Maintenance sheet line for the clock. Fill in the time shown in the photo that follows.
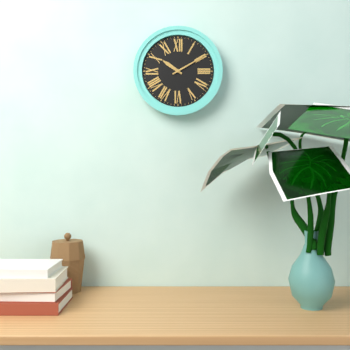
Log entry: 10:10
